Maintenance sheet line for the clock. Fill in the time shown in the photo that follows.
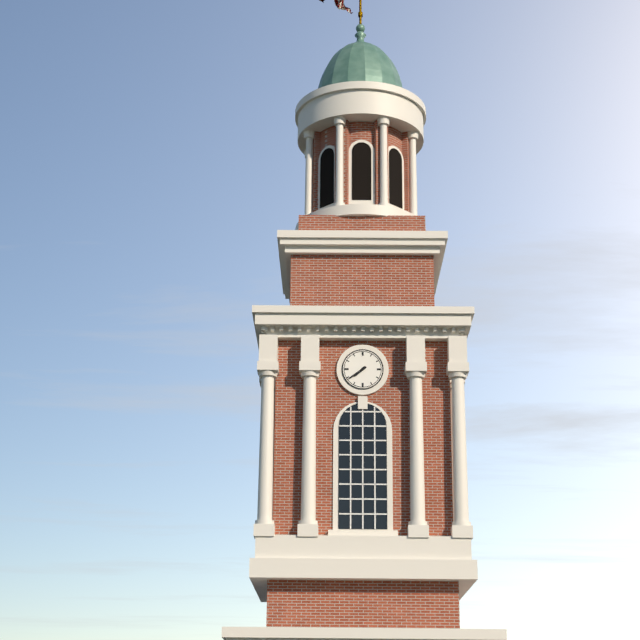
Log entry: 7:39
